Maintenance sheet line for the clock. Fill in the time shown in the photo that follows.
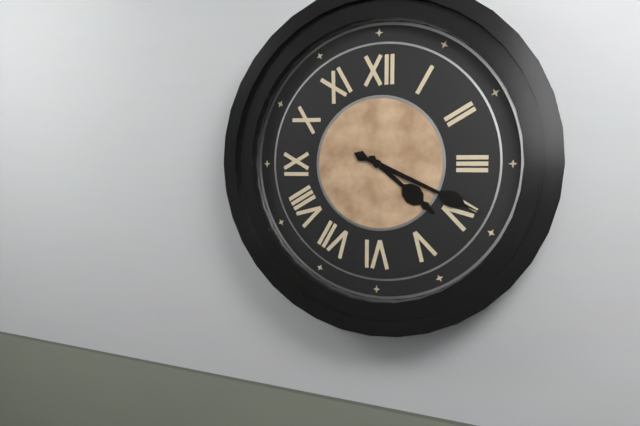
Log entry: 4:19
